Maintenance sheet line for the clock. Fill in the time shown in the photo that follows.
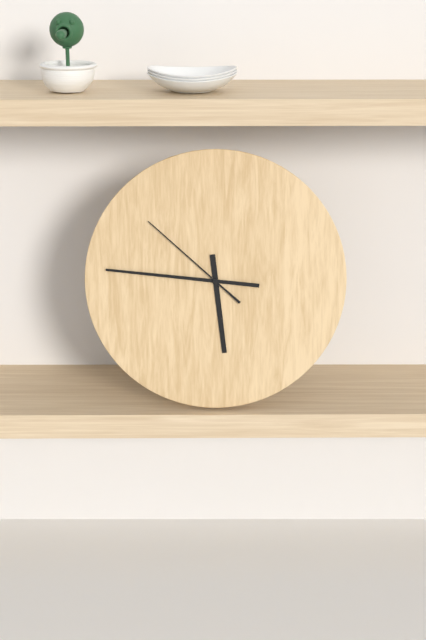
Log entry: 5:46:52
